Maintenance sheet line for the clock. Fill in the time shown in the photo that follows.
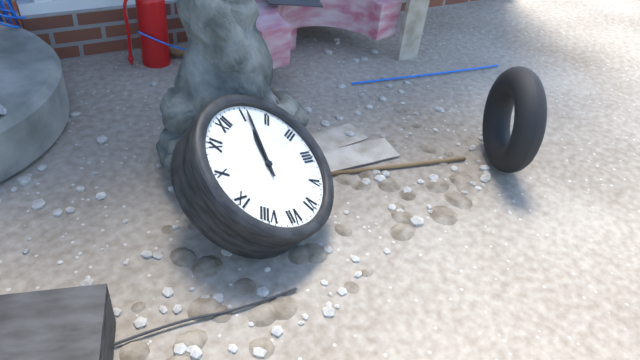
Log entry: 1:06
